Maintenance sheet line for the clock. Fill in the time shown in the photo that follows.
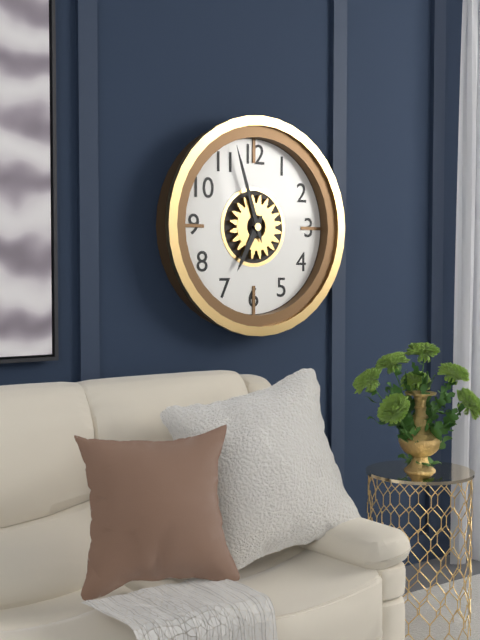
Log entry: 6:57
